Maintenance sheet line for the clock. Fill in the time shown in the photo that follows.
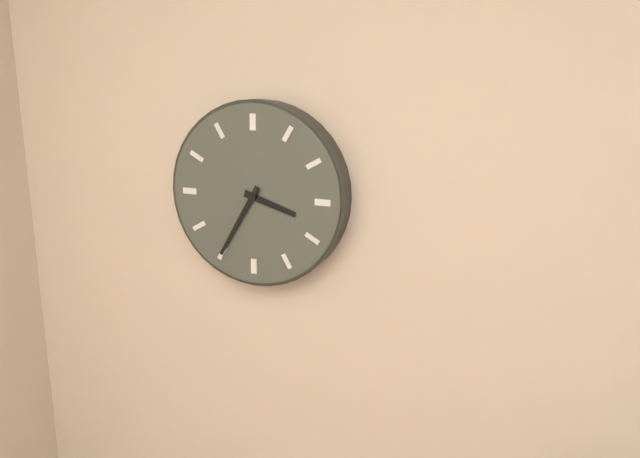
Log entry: 3:35
